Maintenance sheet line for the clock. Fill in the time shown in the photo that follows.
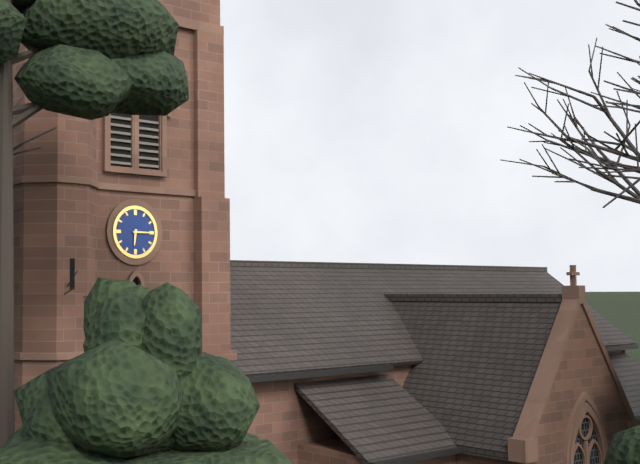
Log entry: 6:15
